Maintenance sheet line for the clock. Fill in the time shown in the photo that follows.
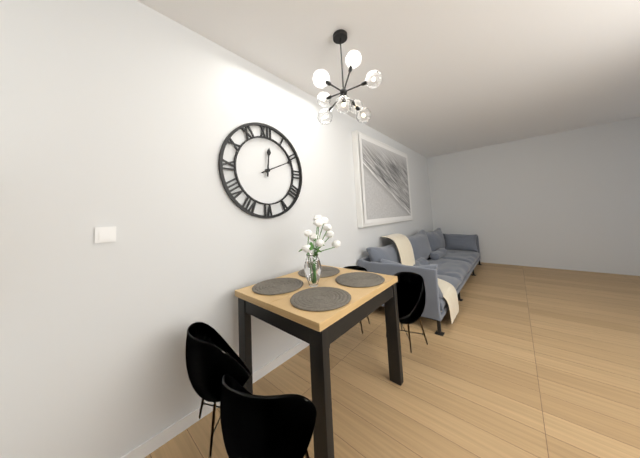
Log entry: 12:11
